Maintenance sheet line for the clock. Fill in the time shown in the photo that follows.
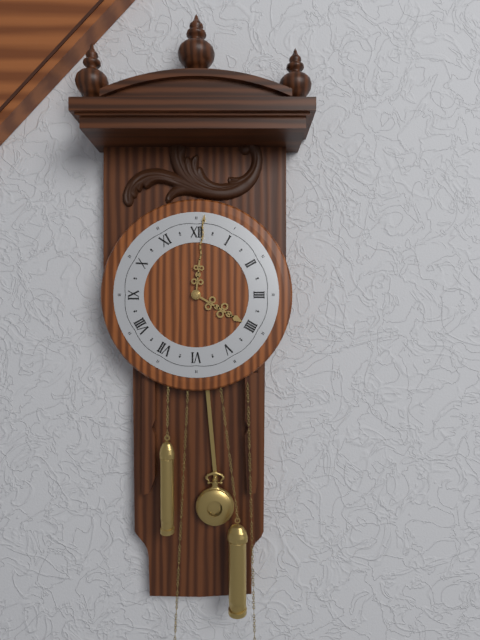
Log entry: 4:01
